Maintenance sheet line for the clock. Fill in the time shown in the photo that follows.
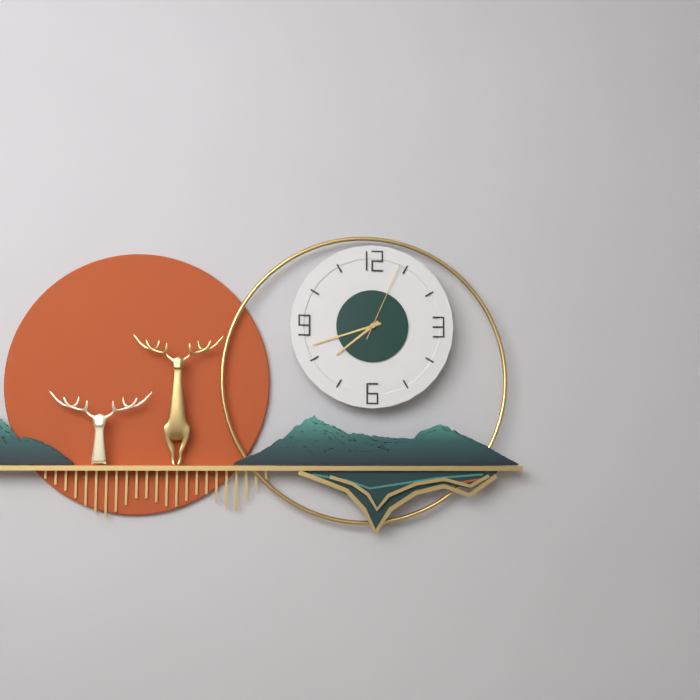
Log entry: 7:42:04
